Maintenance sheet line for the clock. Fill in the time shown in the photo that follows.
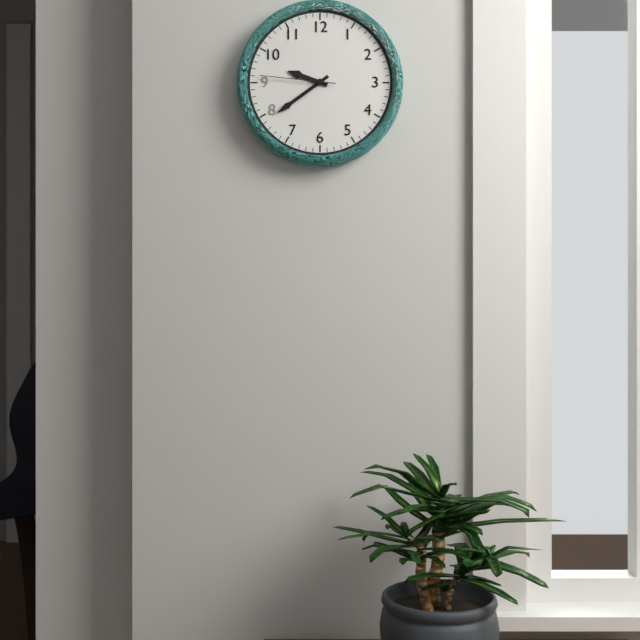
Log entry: 9:39:46
